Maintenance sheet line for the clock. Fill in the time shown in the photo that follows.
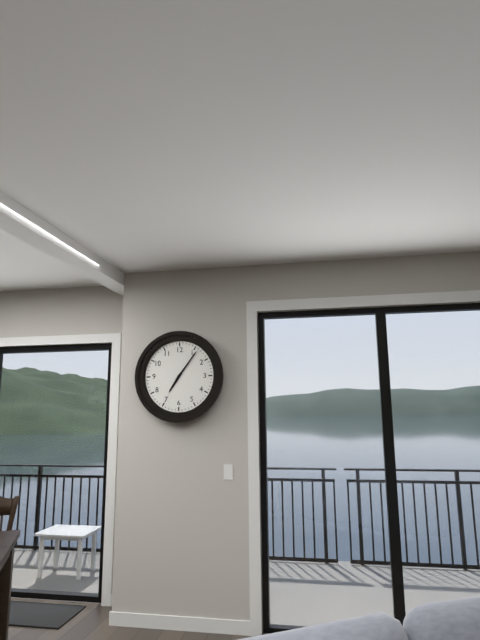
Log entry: 7:06
